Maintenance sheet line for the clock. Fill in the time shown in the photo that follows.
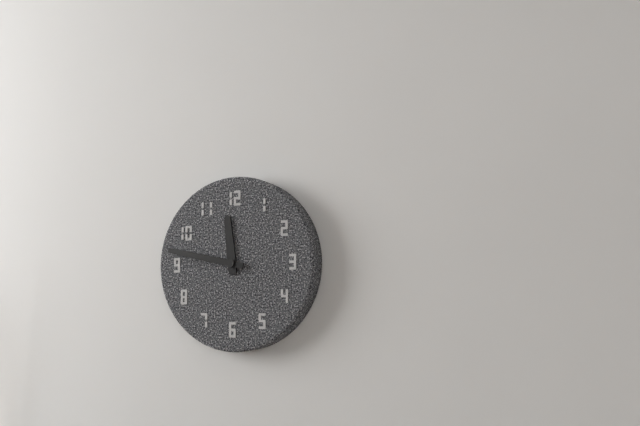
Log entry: 11:47
